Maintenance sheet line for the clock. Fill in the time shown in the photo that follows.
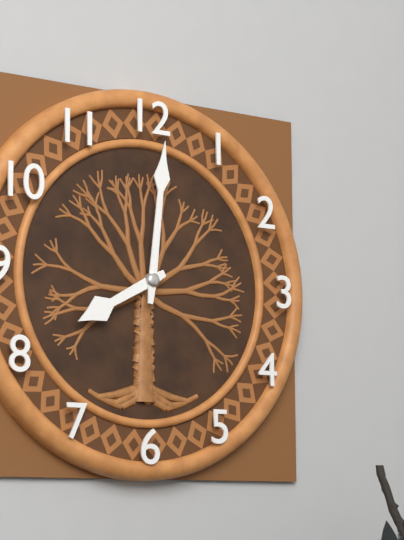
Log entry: 8:01
